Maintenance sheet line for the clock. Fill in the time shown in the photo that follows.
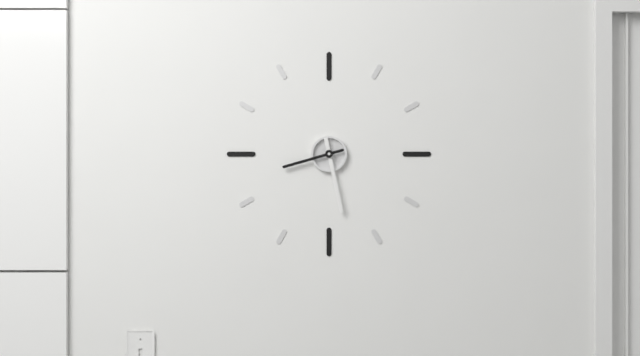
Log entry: 8:28
